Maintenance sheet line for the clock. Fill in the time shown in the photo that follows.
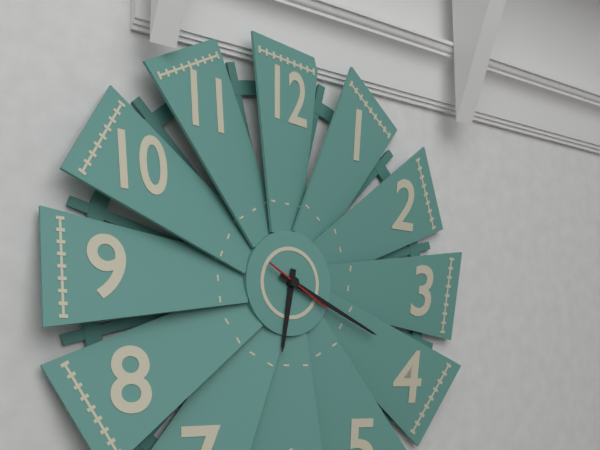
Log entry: 6:19:20
